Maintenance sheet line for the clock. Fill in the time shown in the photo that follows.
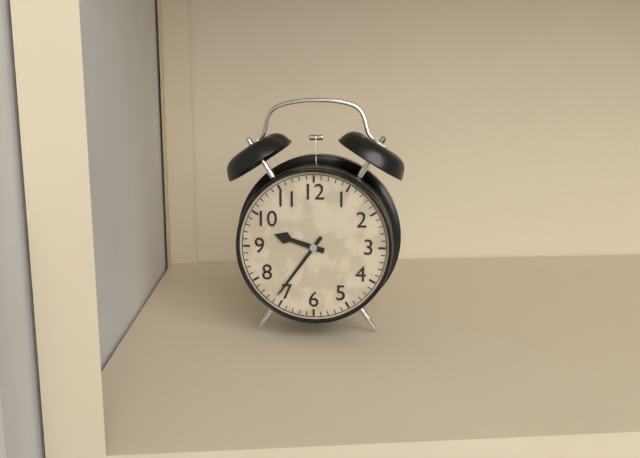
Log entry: 9:36
